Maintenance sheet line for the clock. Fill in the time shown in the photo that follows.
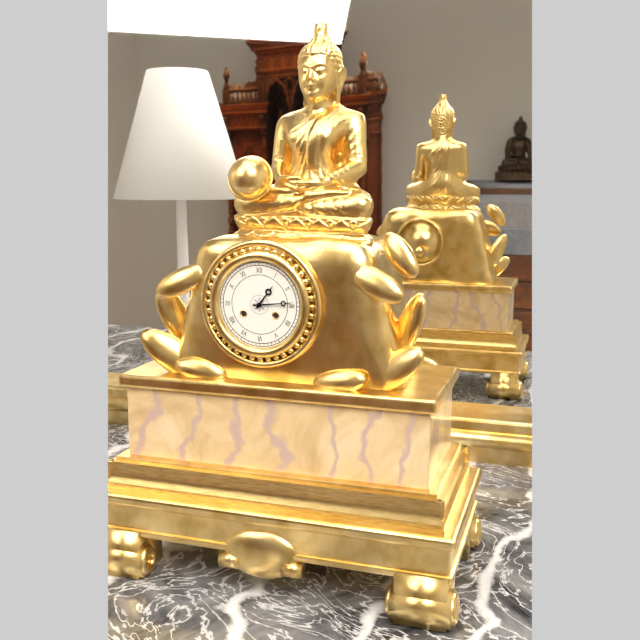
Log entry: 1:14
